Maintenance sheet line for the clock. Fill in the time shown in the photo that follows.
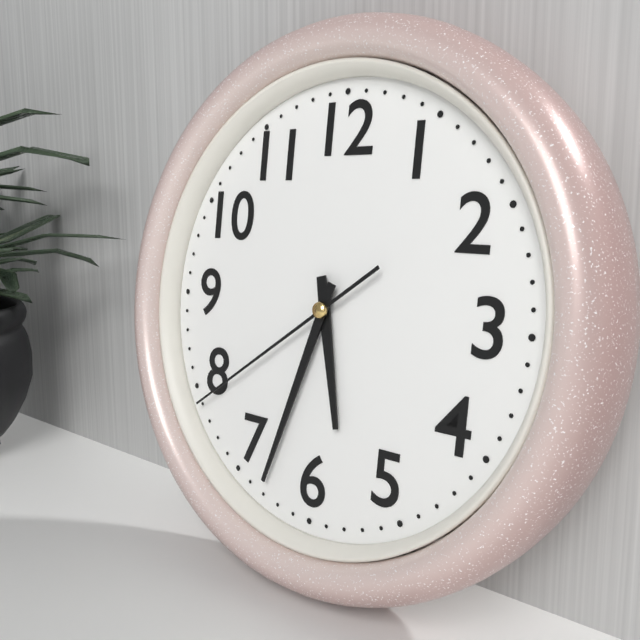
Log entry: 5:33:39
